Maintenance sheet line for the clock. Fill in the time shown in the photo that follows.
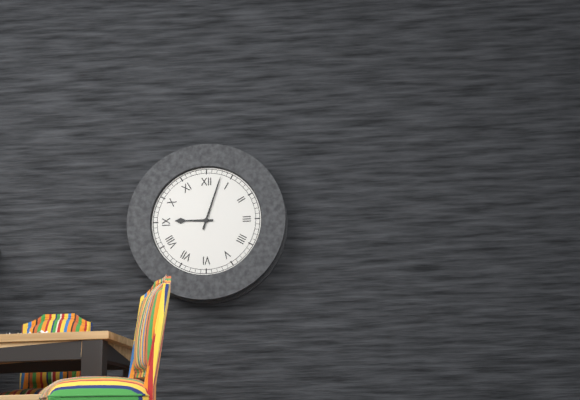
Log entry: 9:03
